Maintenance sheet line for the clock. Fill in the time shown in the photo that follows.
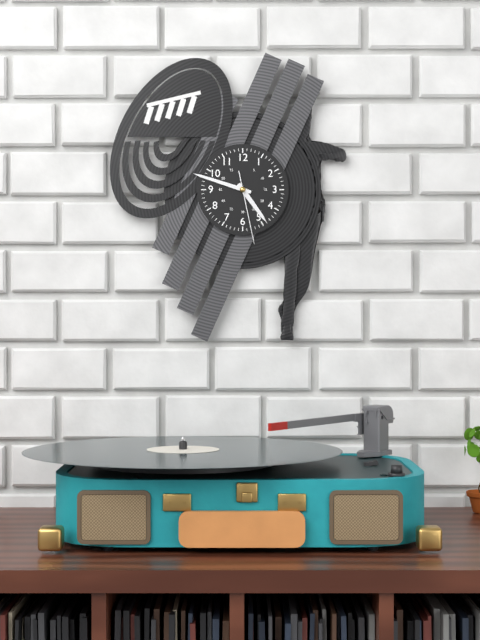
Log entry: 4:48:28
